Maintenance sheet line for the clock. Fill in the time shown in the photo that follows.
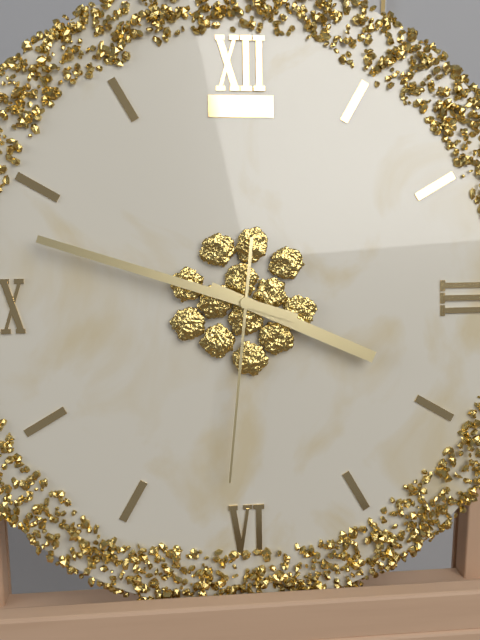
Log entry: 3:48:31
